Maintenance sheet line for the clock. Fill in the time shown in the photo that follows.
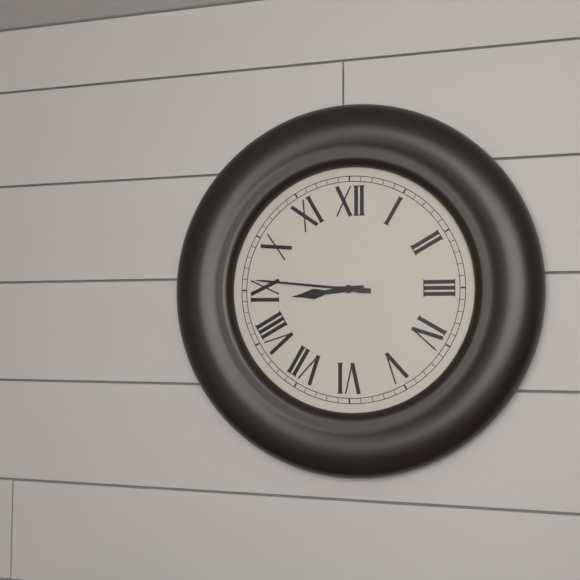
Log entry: 8:46
